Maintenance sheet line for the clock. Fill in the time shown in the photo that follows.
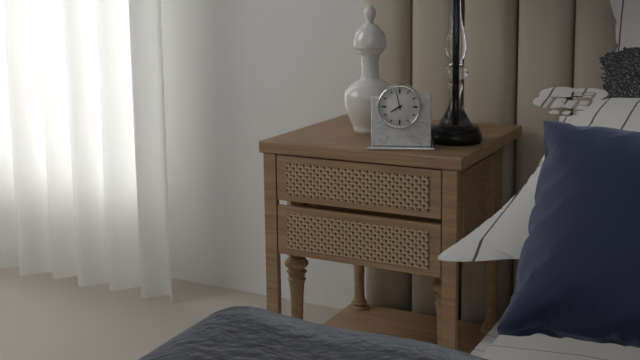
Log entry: 7:58
